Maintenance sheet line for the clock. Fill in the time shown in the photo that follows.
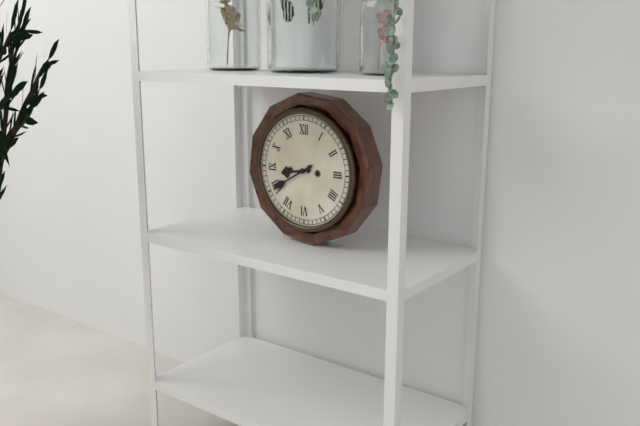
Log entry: 8:40
